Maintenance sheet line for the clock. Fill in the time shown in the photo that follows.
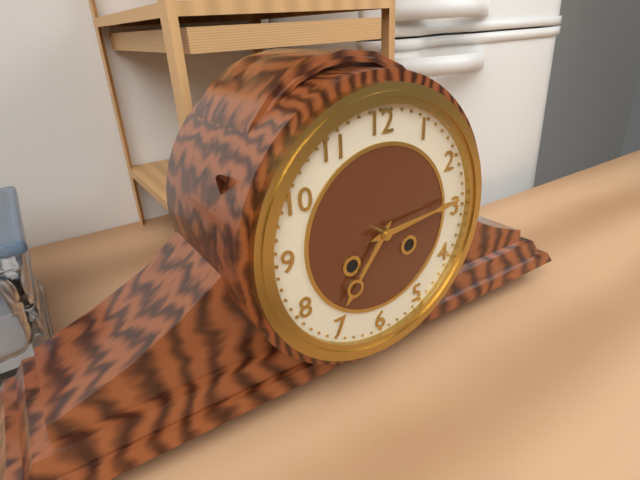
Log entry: 7:14
